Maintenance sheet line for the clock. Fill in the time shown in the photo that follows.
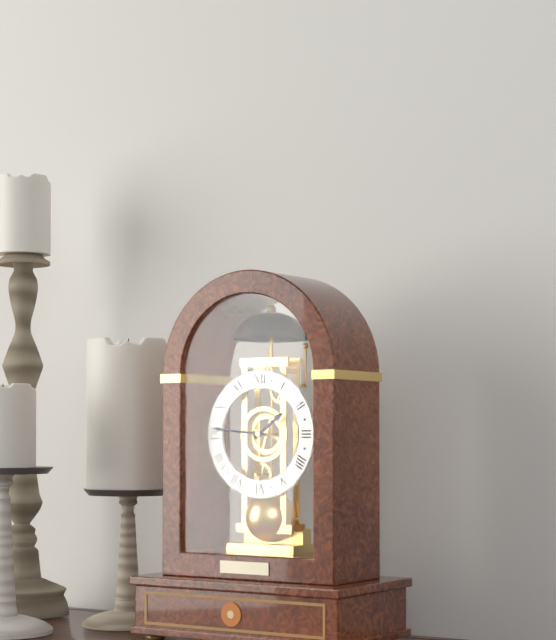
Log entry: 1:46
